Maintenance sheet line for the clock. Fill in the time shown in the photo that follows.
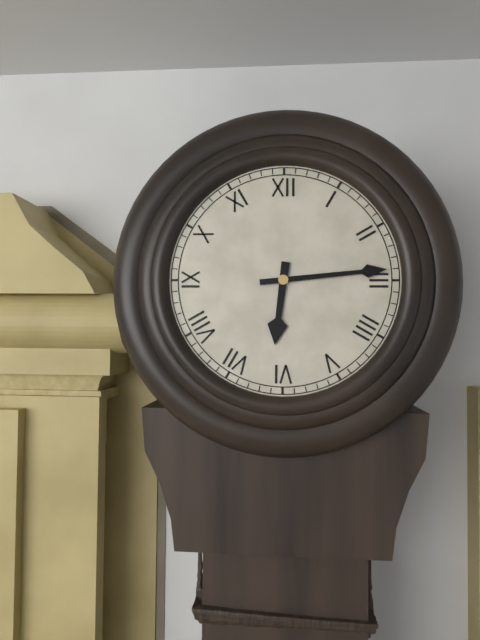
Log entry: 6:14
